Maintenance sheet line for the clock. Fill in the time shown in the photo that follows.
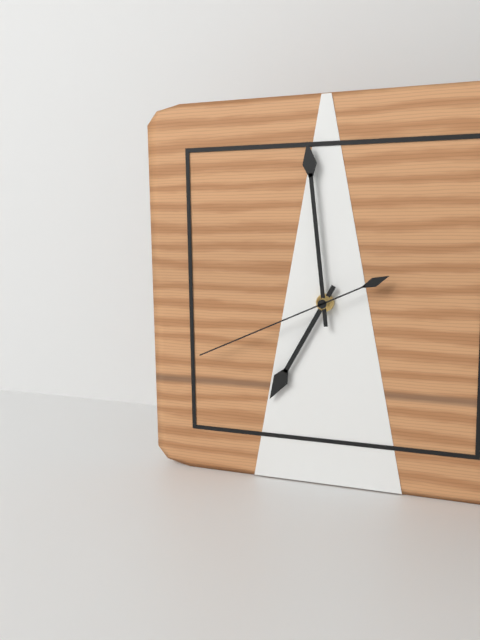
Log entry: 6:59:41
